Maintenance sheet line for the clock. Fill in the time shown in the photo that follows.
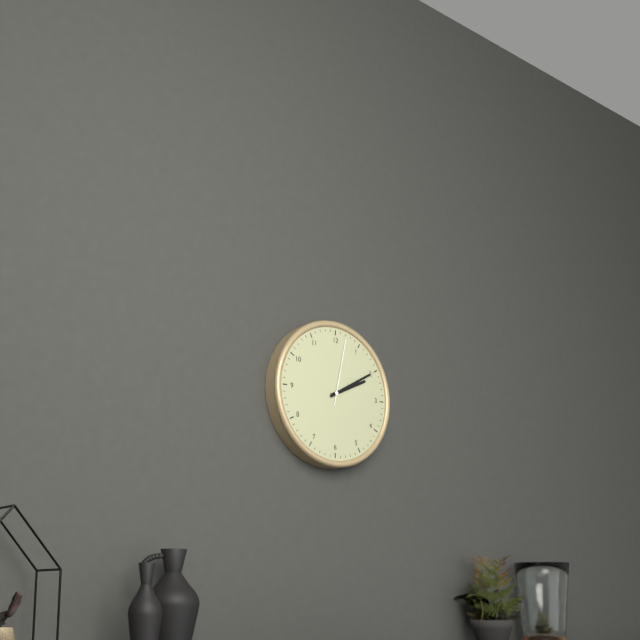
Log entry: 2:10:02
